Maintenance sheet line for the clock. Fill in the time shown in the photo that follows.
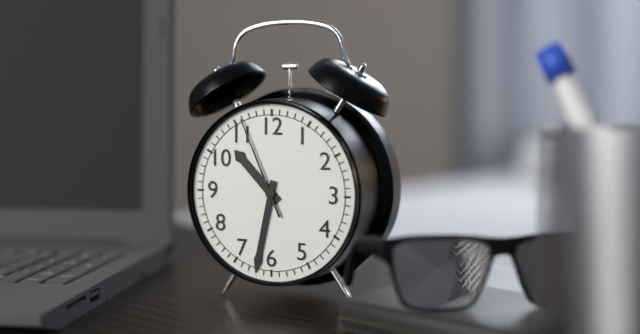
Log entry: 10:32:56
